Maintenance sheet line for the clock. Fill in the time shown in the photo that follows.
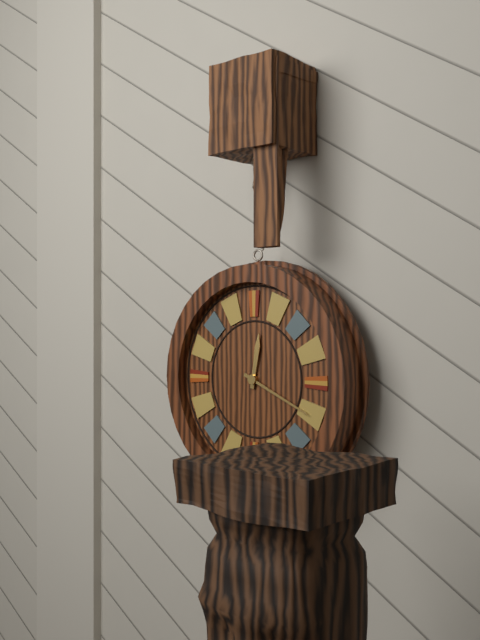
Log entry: 12:19
